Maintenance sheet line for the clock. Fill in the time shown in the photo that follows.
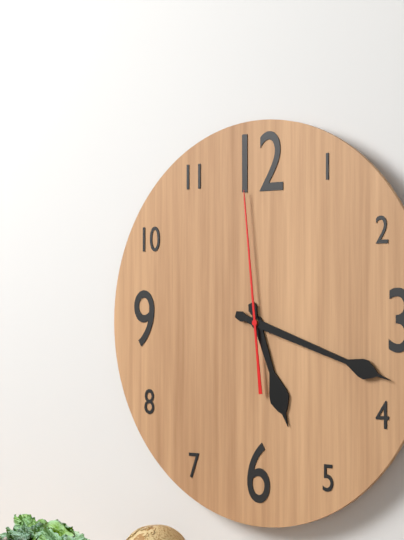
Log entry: 5:18:59
